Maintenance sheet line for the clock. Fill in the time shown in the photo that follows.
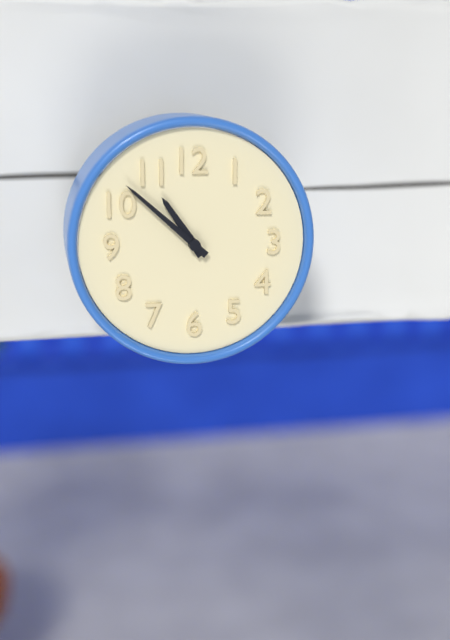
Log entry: 10:52
